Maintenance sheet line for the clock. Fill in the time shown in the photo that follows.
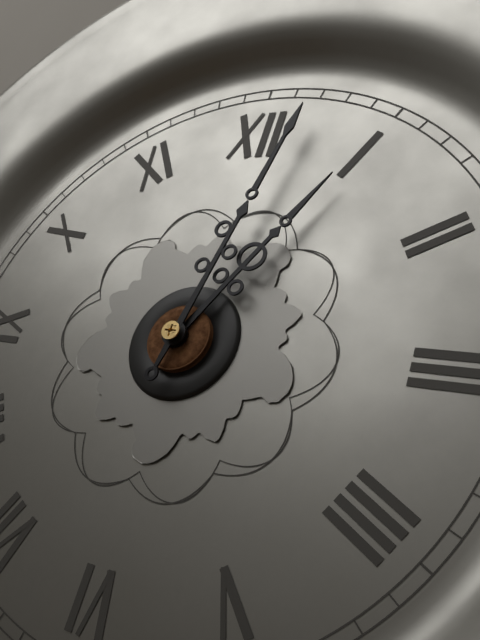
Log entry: 1:02
